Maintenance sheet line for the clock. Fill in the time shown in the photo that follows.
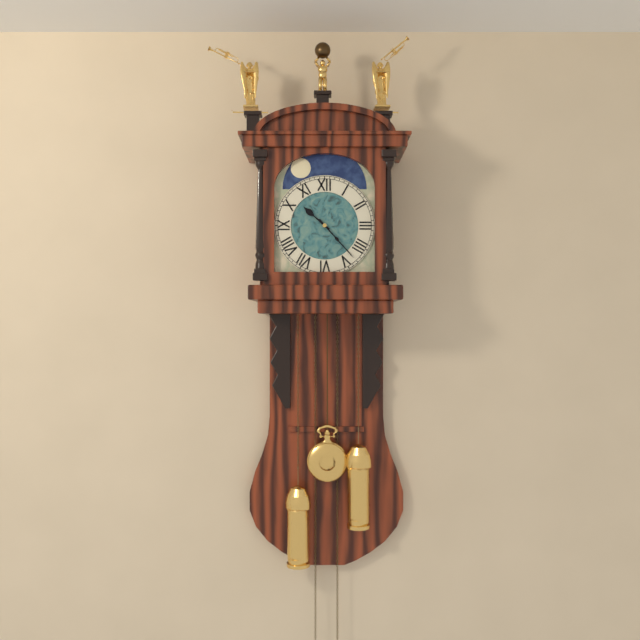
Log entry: 10:23
